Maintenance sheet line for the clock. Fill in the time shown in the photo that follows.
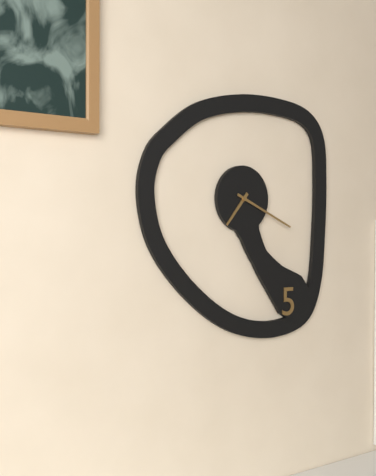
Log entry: 7:19
